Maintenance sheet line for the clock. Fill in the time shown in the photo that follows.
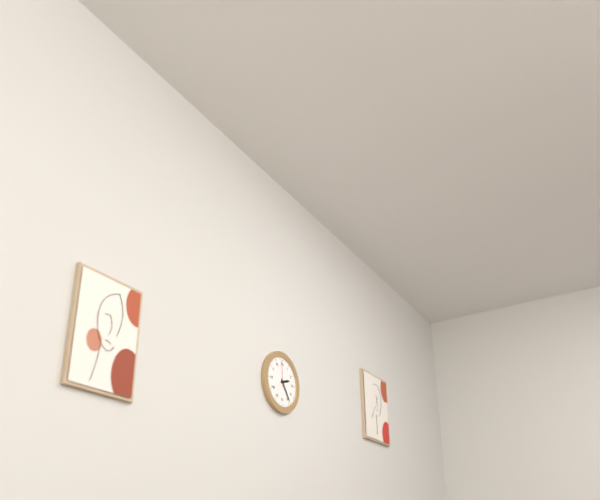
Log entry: 2:24
